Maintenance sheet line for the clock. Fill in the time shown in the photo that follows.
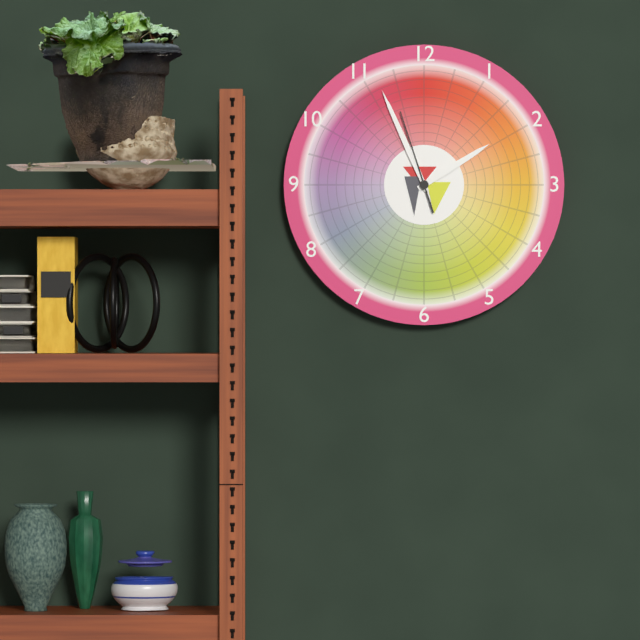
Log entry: 1:56:57
